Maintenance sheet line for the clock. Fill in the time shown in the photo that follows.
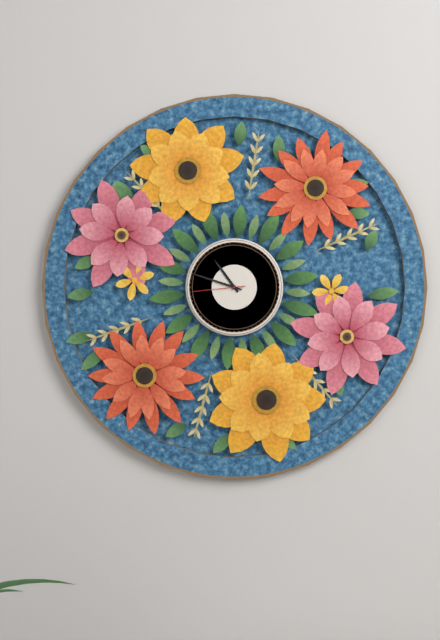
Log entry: 10:48:44
